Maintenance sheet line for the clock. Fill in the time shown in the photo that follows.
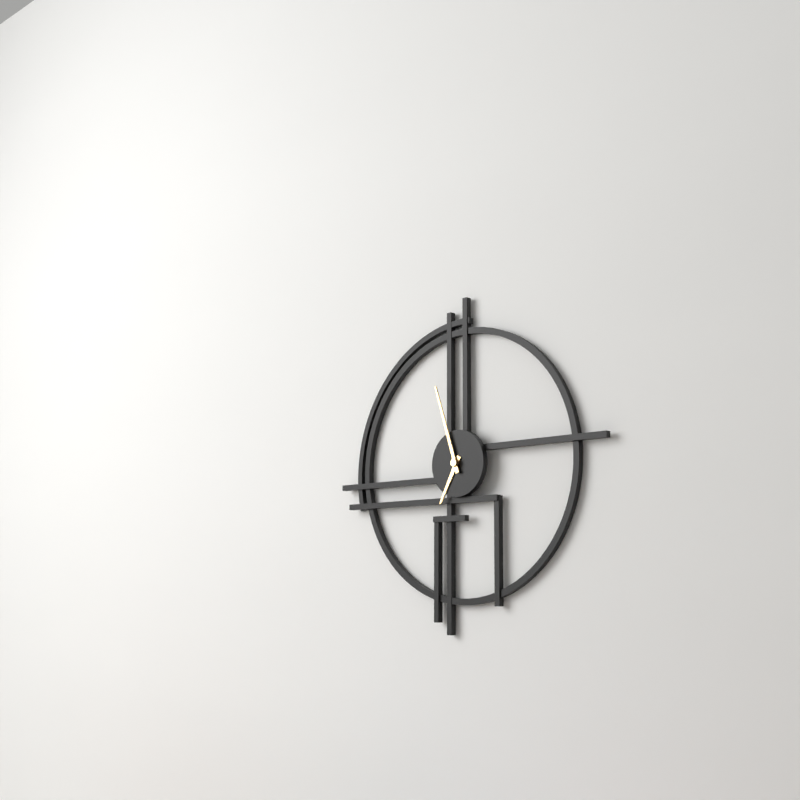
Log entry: 6:57
